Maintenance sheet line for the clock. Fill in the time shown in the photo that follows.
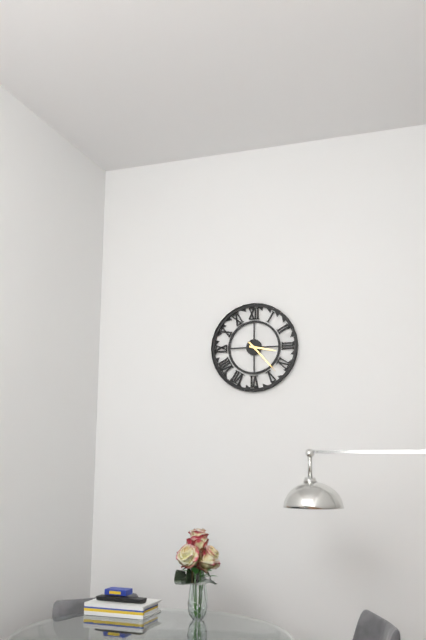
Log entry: 3:23
